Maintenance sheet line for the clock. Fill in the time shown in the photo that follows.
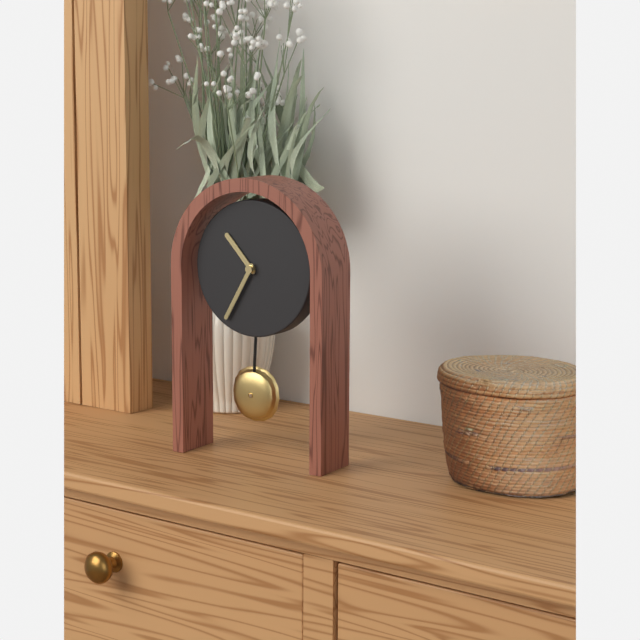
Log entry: 10:35
